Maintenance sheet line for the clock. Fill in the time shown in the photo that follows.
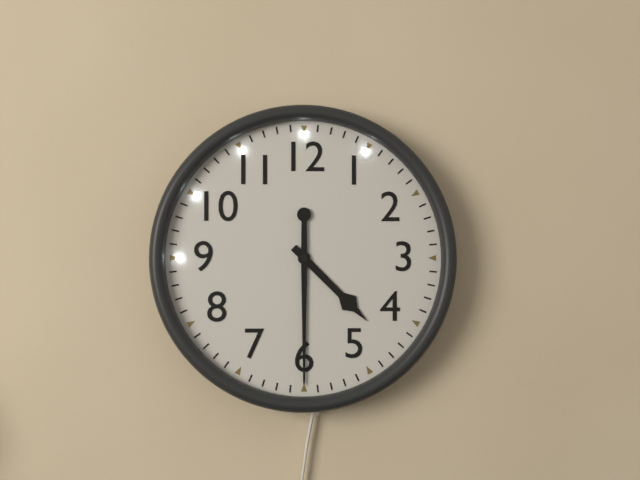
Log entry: 4:30
